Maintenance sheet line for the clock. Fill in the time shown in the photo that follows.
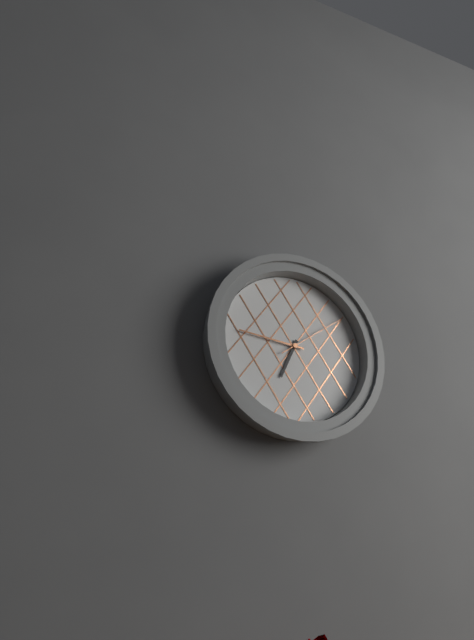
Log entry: 6:46:09
